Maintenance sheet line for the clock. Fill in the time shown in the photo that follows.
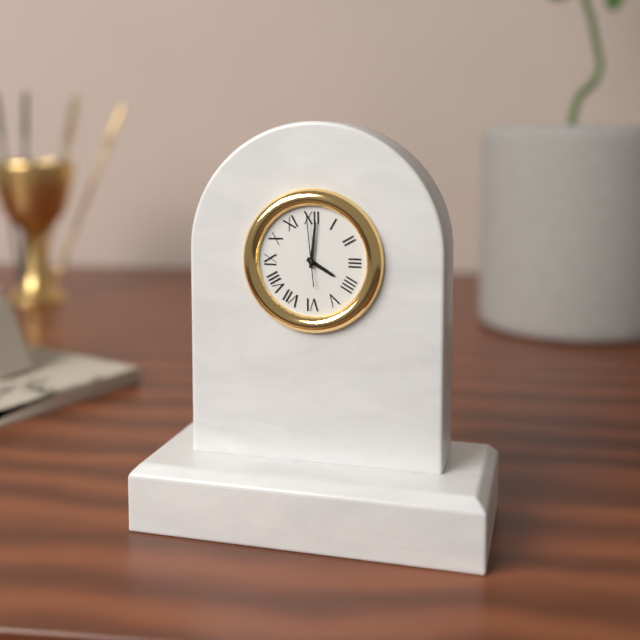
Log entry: 4:01:59
